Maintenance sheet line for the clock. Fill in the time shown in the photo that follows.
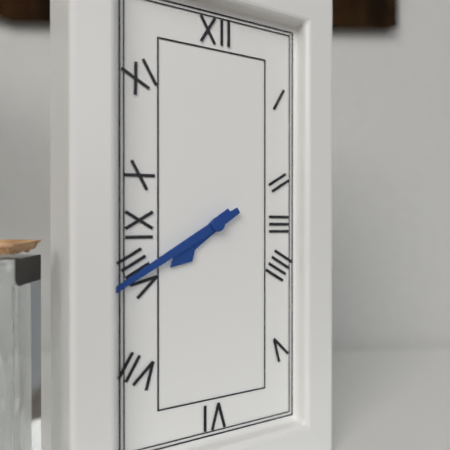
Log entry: 7:40
